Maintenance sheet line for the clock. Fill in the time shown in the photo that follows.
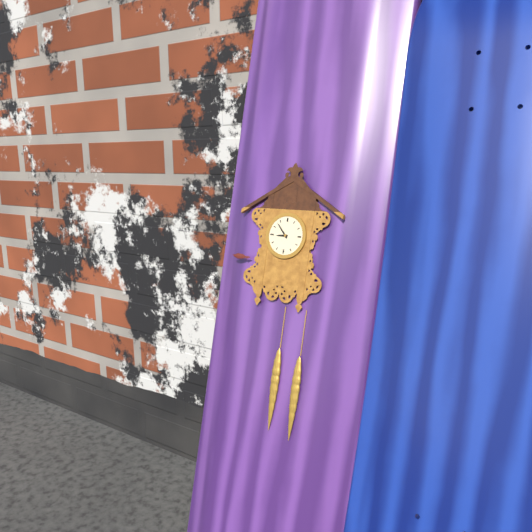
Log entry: 8:53
